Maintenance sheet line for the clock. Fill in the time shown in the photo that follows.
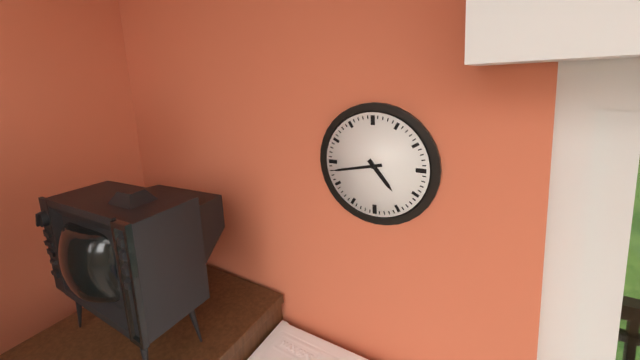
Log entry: 4:43
